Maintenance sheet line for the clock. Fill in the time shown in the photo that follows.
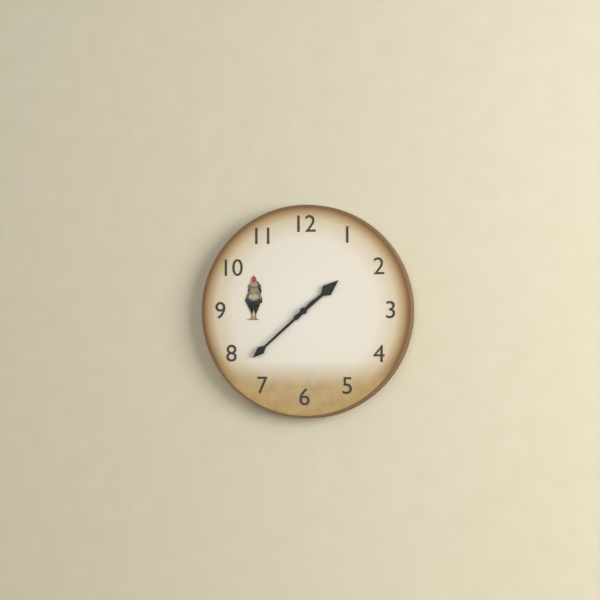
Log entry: 1:38
